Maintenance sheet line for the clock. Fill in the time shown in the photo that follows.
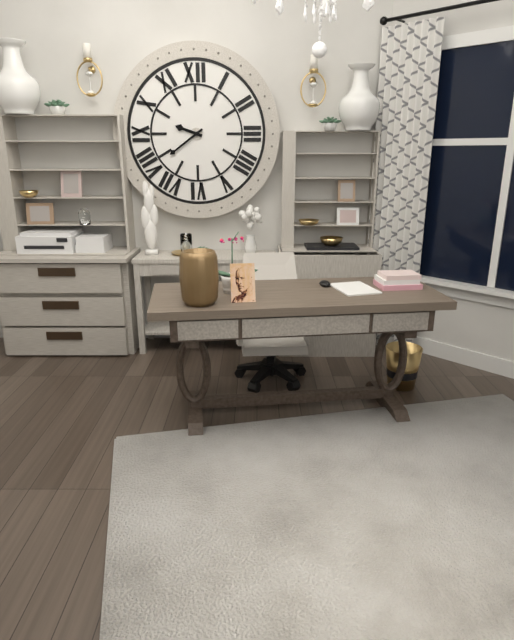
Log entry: 9:39
